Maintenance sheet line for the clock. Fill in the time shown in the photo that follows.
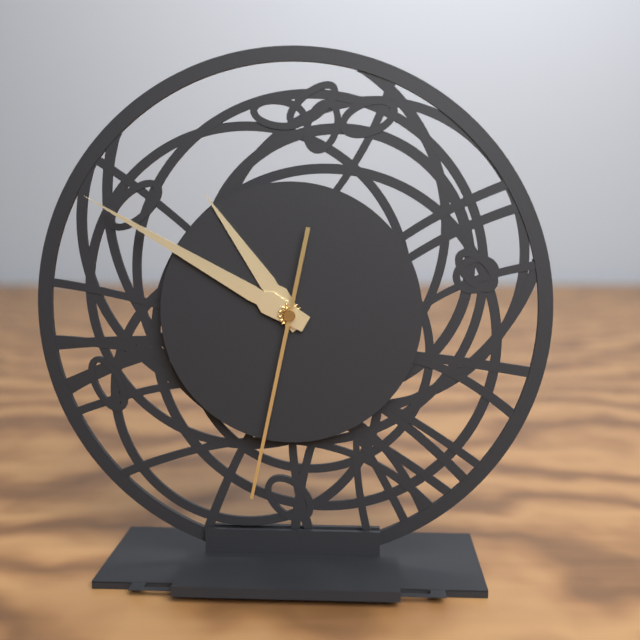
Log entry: 10:50:32
